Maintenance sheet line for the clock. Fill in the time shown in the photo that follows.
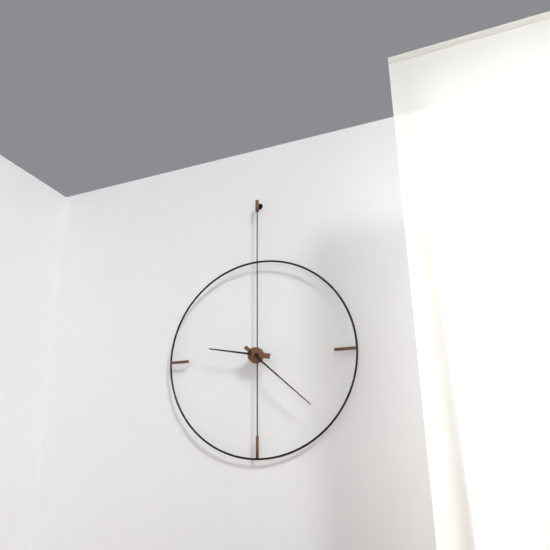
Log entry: 9:22
